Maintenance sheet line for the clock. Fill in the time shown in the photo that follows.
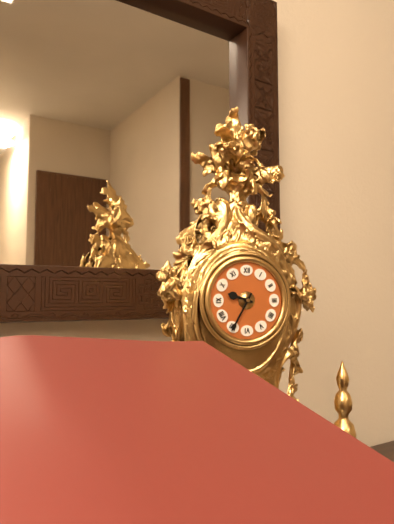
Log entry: 9:35
